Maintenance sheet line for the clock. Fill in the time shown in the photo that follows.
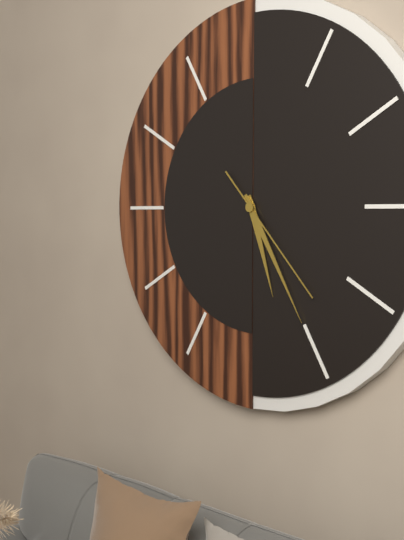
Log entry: 5:25:23
